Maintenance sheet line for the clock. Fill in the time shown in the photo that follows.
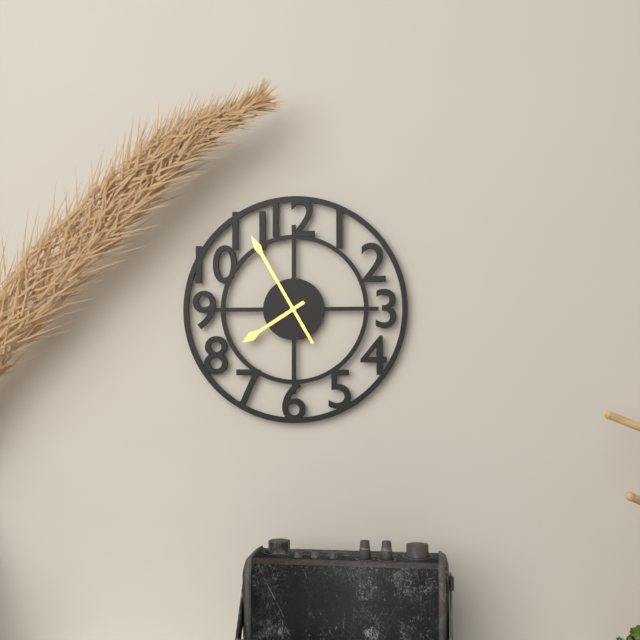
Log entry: 7:55
